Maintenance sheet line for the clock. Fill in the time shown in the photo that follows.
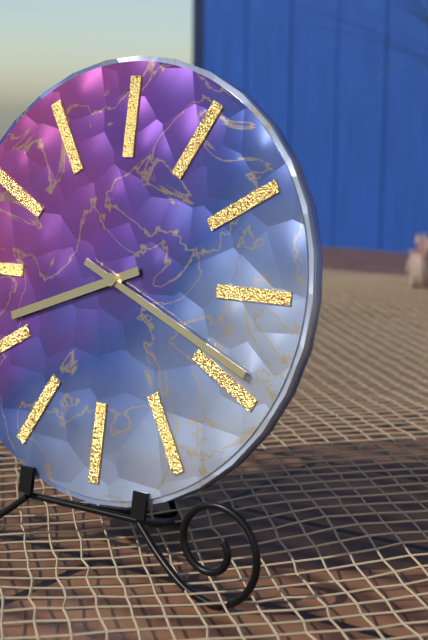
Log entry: 8:19
